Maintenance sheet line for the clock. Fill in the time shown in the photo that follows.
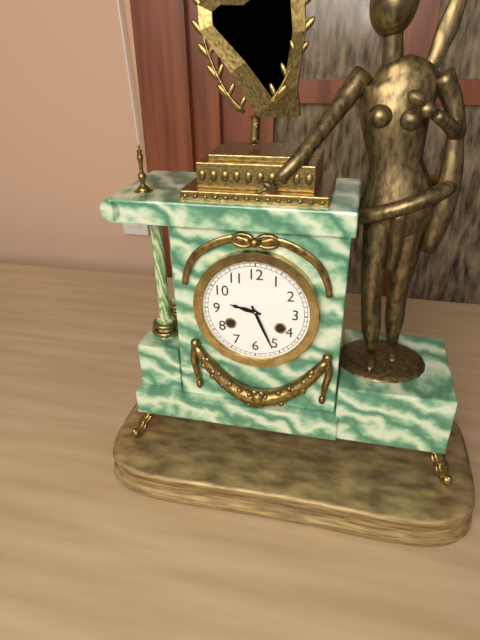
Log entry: 9:26
